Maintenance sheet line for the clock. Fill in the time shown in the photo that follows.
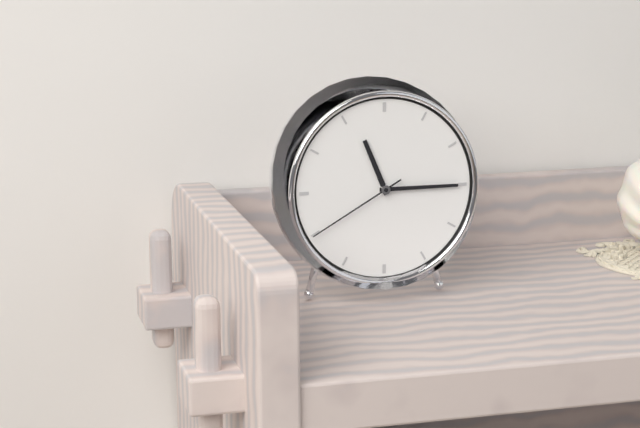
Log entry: 11:15:40
